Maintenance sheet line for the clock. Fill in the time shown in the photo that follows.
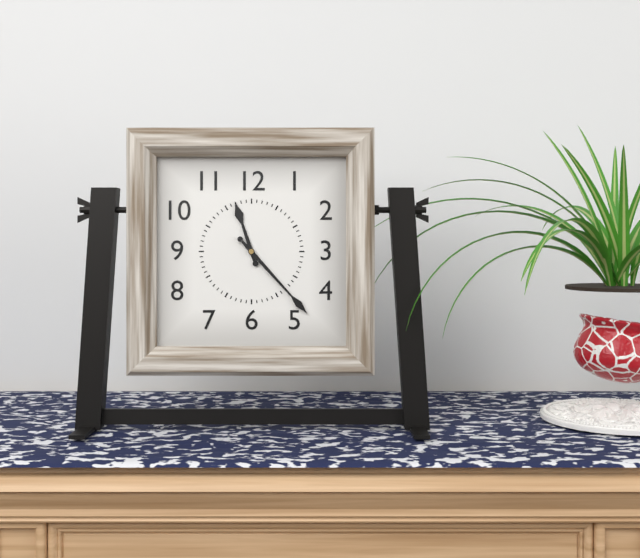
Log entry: 11:23
